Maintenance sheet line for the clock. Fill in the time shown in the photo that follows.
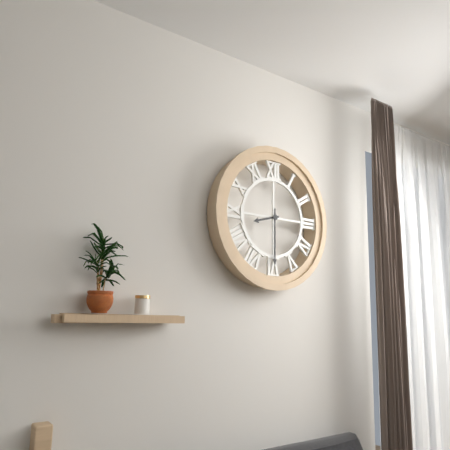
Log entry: 8:30
